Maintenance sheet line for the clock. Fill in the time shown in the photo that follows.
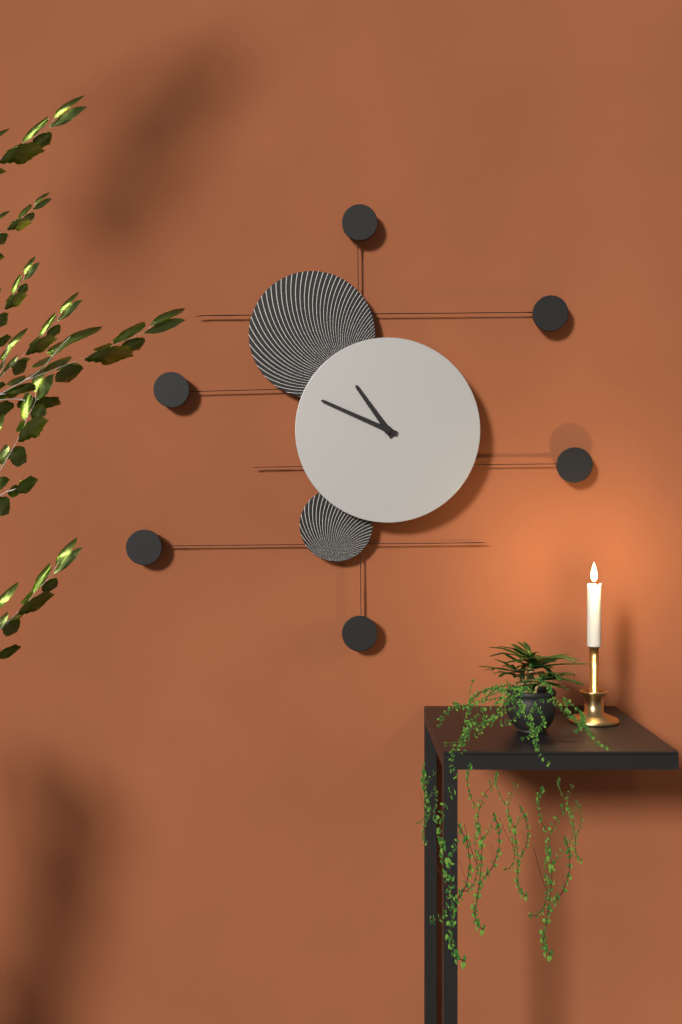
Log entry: 10:49
